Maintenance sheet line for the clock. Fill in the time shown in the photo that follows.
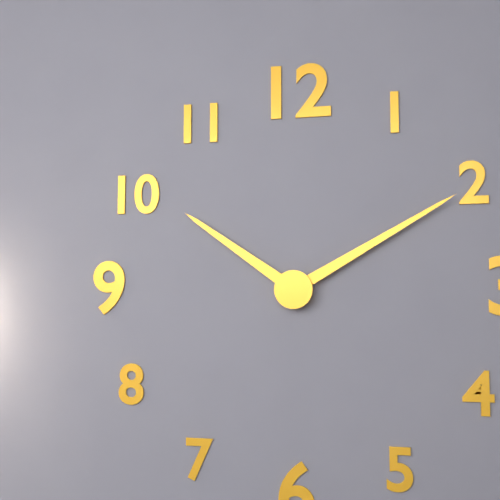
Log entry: 10:10
